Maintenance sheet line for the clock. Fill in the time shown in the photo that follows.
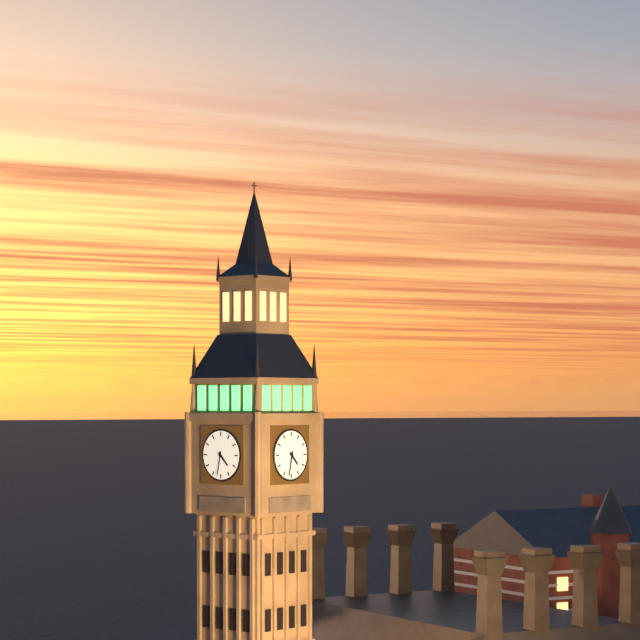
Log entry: 4:32
